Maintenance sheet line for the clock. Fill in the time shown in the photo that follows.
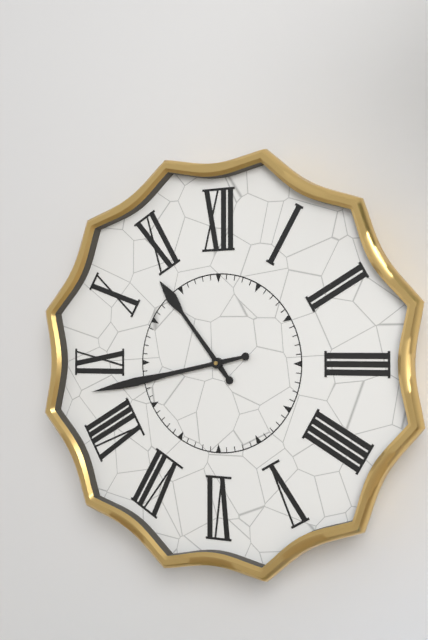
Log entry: 10:43
